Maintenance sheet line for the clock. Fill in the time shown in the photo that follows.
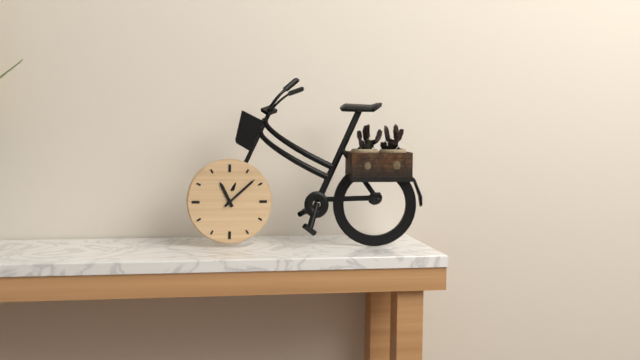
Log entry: 11:08
